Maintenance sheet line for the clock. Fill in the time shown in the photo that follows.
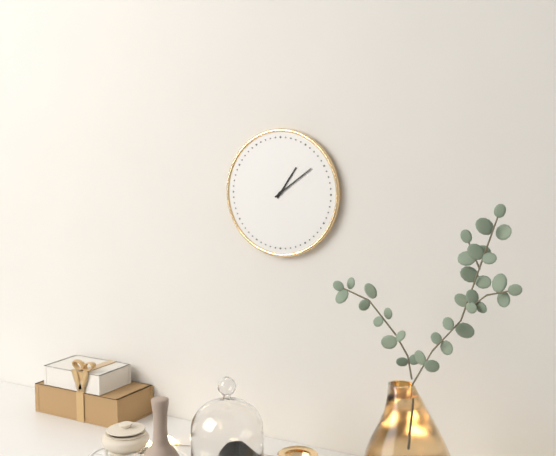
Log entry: 1:09
